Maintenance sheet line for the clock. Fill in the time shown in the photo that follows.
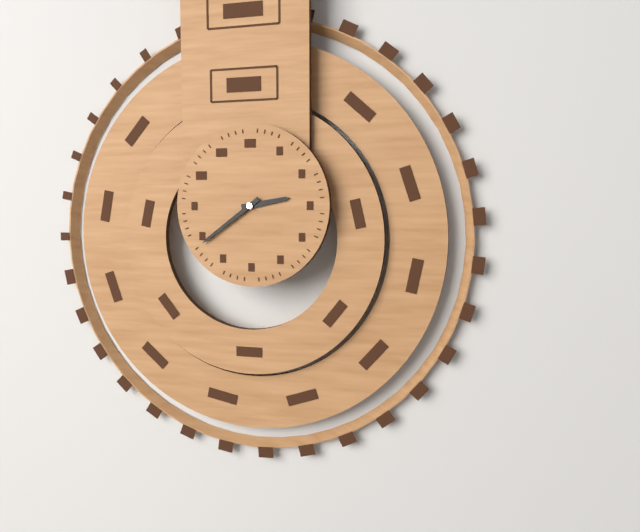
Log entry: 2:39
